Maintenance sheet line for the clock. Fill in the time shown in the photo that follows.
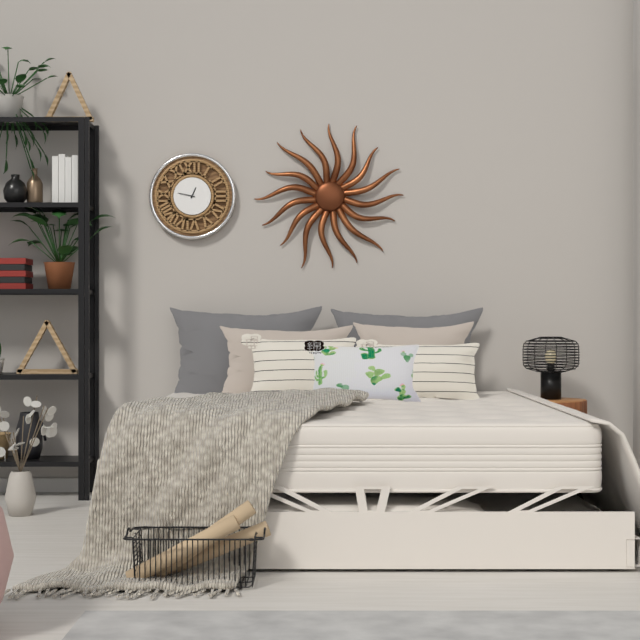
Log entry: 12:47
